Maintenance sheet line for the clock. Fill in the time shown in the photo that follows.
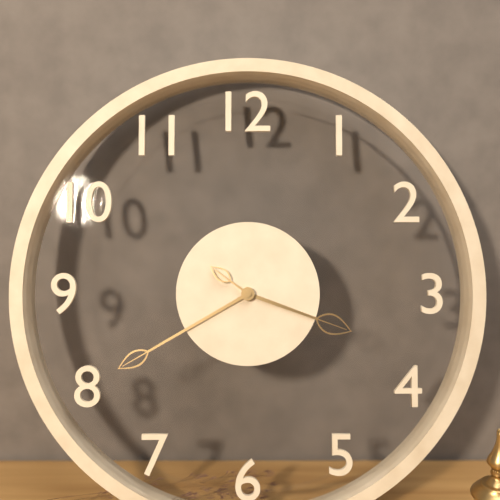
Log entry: 3:40:51
